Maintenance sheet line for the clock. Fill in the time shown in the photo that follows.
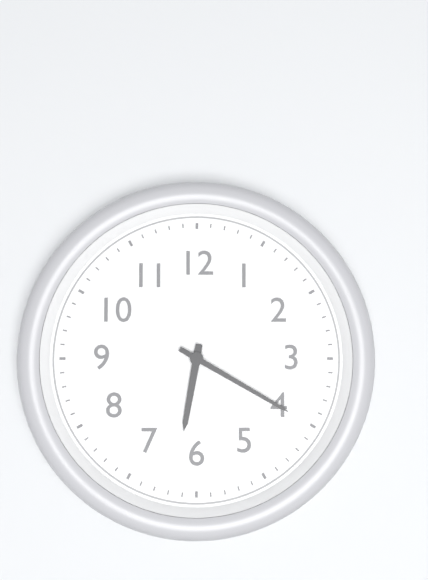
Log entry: 6:20
